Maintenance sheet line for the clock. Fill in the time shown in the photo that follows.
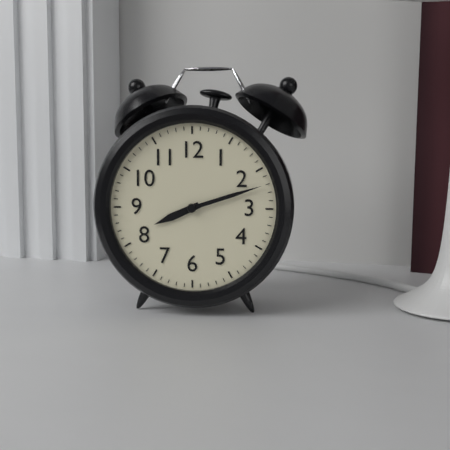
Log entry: 8:12
